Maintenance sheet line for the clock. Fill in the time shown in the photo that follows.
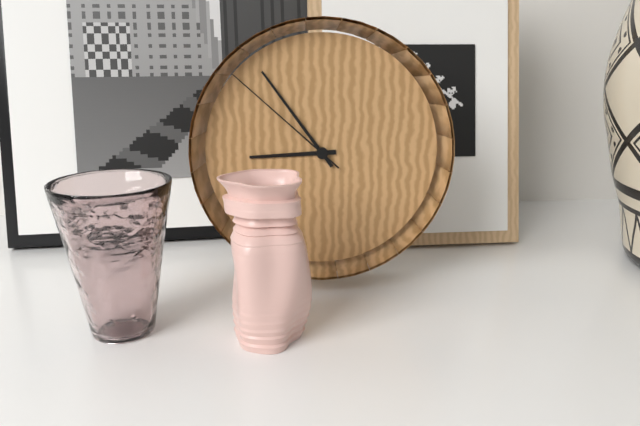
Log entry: 8:54:52
